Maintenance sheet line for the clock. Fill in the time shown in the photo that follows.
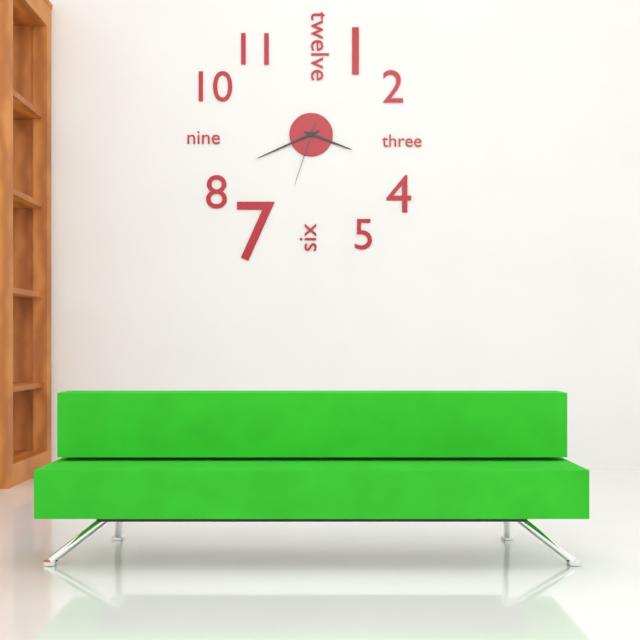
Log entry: 3:41:33
